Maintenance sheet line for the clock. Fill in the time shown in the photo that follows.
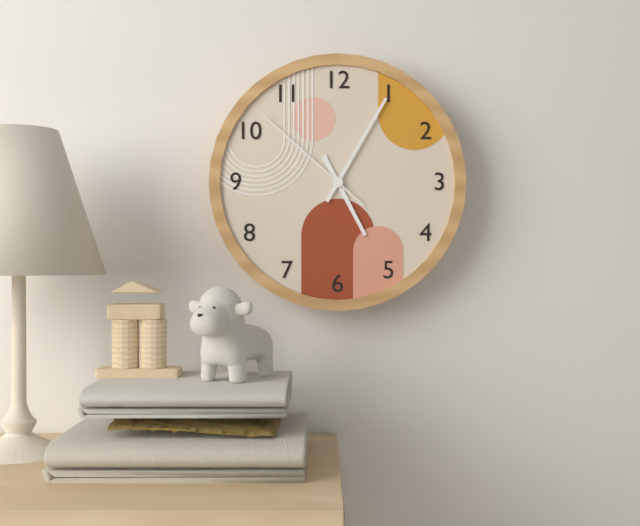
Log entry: 5:05:52
